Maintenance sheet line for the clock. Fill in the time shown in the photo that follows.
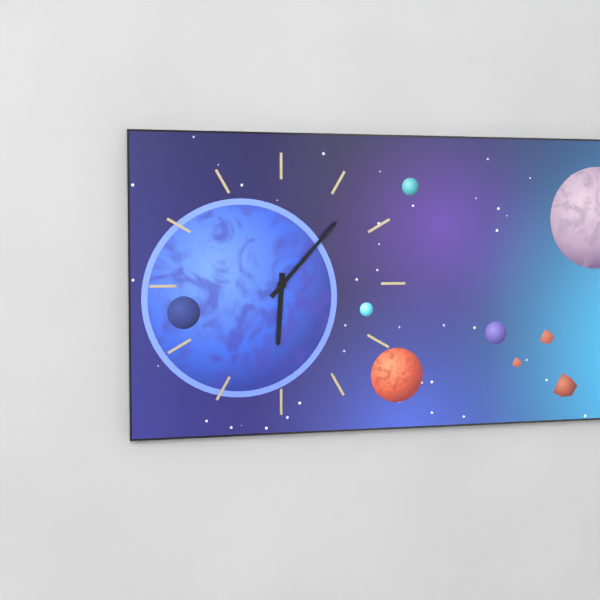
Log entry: 6:07
